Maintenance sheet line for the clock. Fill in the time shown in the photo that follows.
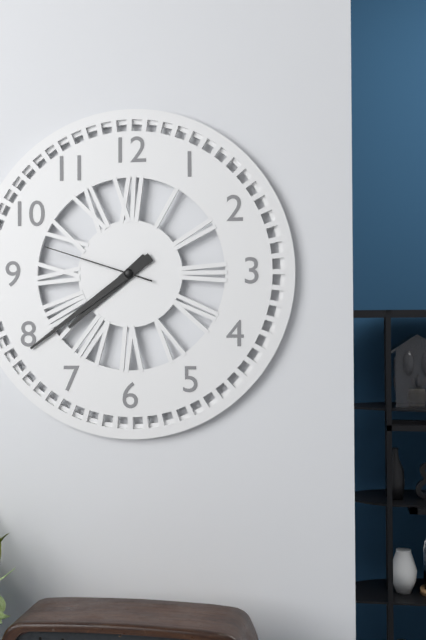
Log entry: 7:39:48
